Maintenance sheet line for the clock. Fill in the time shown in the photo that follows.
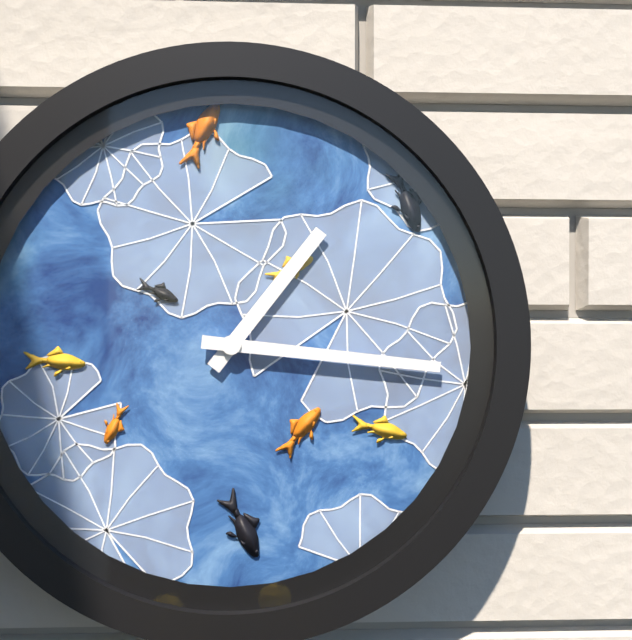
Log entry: 1:16
